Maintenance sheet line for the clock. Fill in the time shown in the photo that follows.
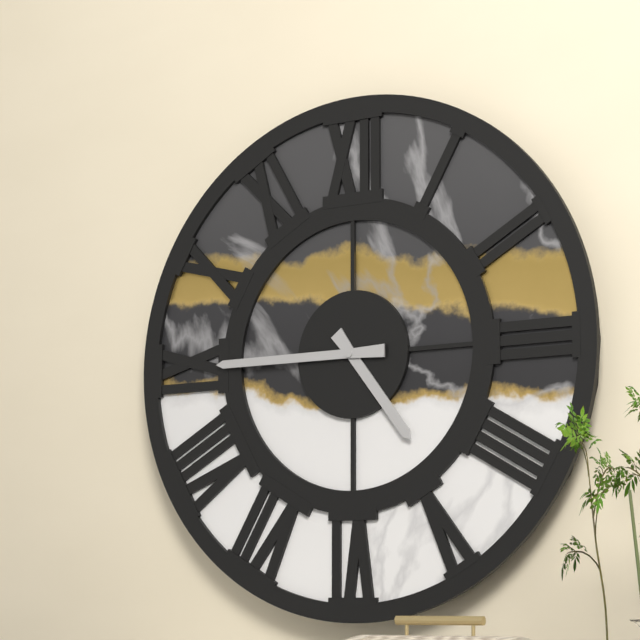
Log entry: 4:45
